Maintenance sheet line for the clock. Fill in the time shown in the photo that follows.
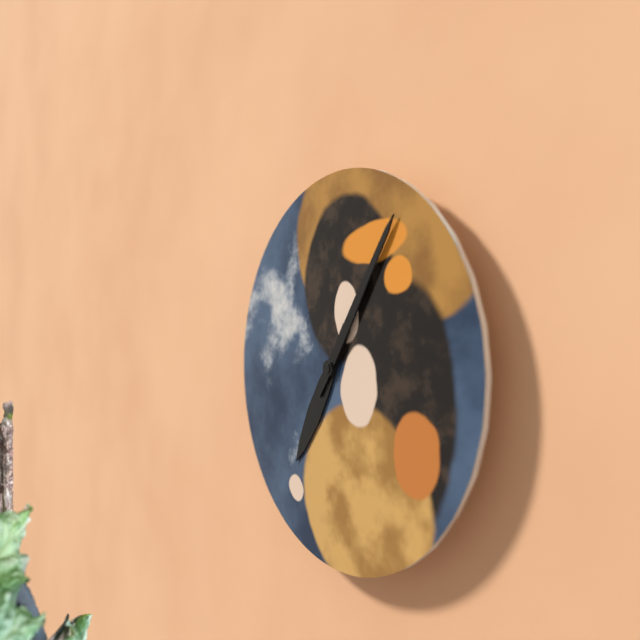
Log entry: 7:06
